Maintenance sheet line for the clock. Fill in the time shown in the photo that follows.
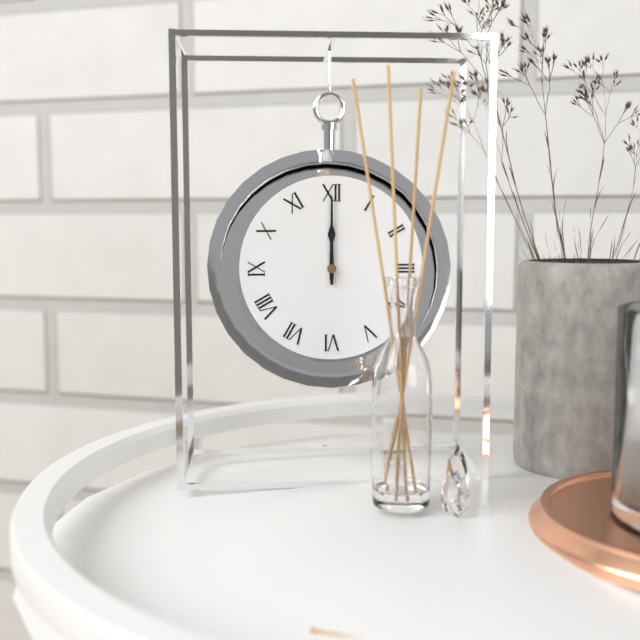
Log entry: 12:00
